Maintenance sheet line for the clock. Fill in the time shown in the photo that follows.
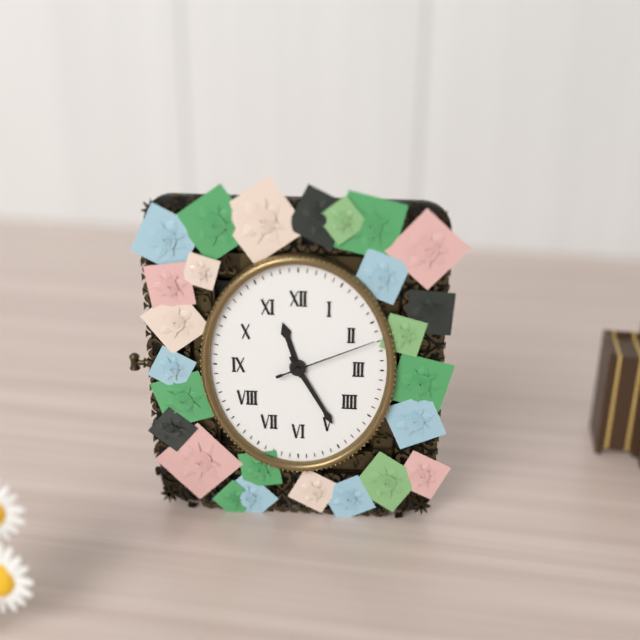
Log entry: 11:25:11
